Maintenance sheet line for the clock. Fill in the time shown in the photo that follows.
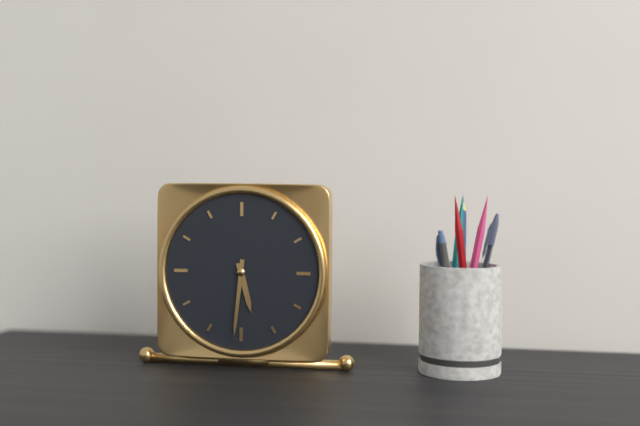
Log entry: 5:31
